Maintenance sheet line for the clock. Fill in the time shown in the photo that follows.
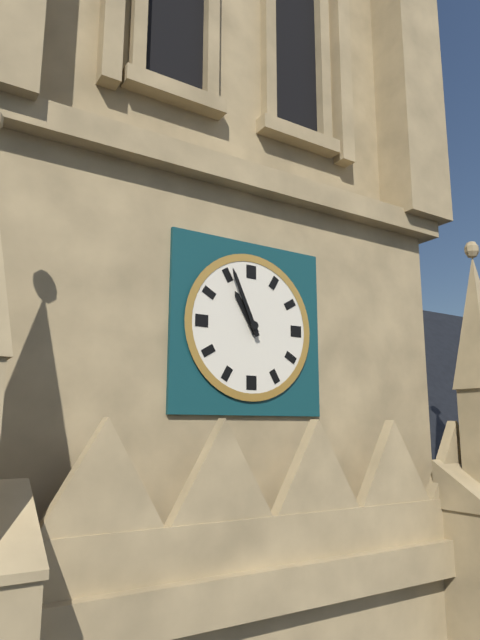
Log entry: 10:56
